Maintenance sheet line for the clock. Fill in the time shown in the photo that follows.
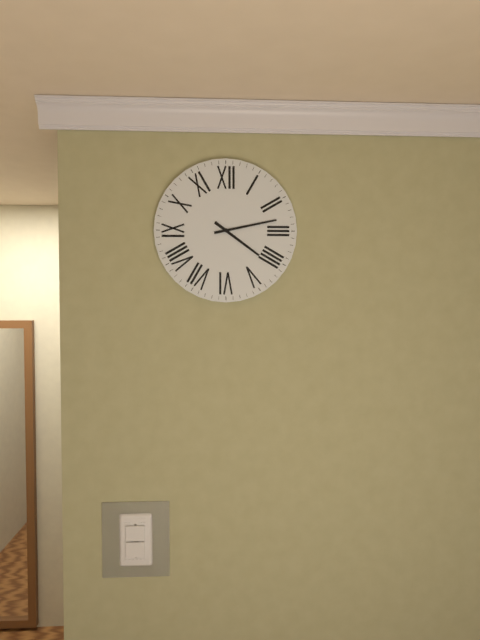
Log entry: 4:13
